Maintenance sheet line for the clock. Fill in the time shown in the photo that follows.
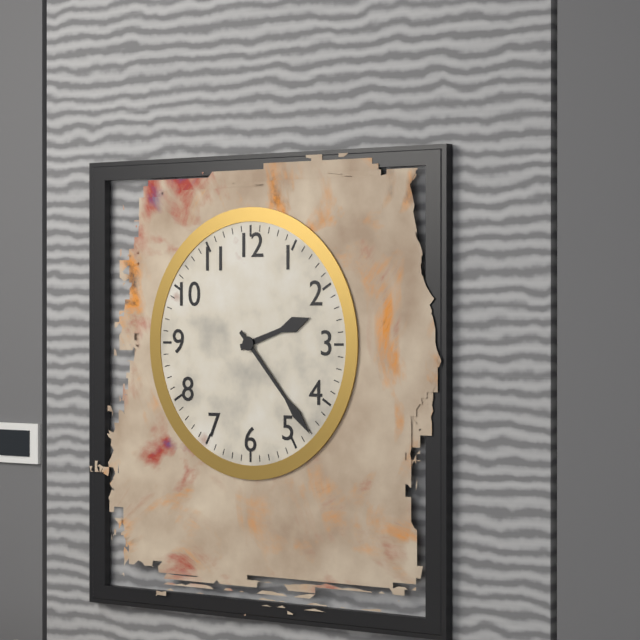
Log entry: 2:23
